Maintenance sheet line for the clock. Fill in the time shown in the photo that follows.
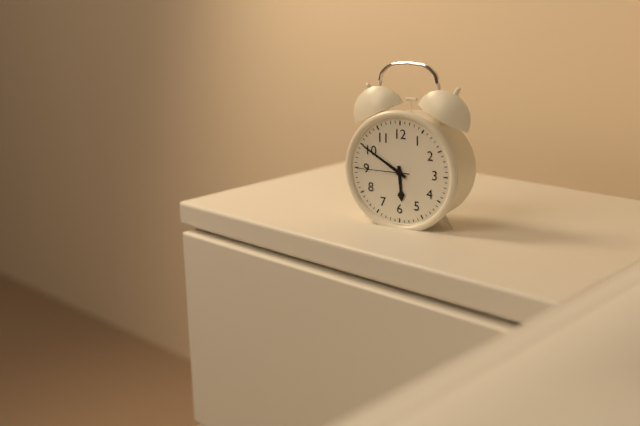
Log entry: 5:50:45
